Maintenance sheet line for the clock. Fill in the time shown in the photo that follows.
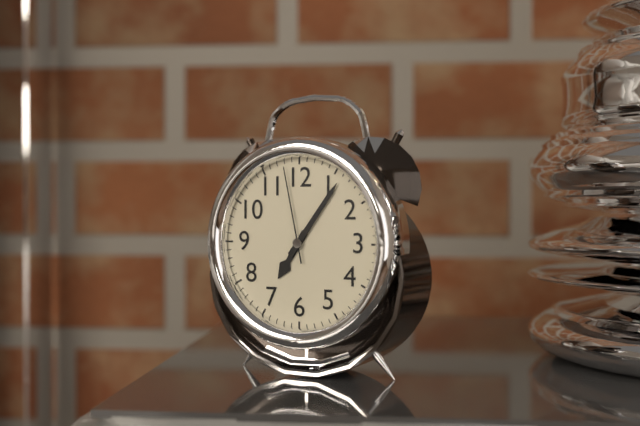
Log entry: 7:06:58
